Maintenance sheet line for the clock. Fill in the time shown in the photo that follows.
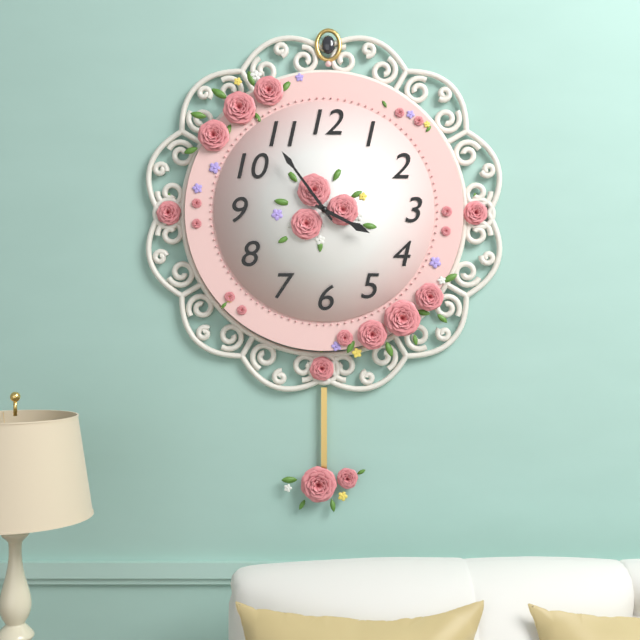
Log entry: 3:54
